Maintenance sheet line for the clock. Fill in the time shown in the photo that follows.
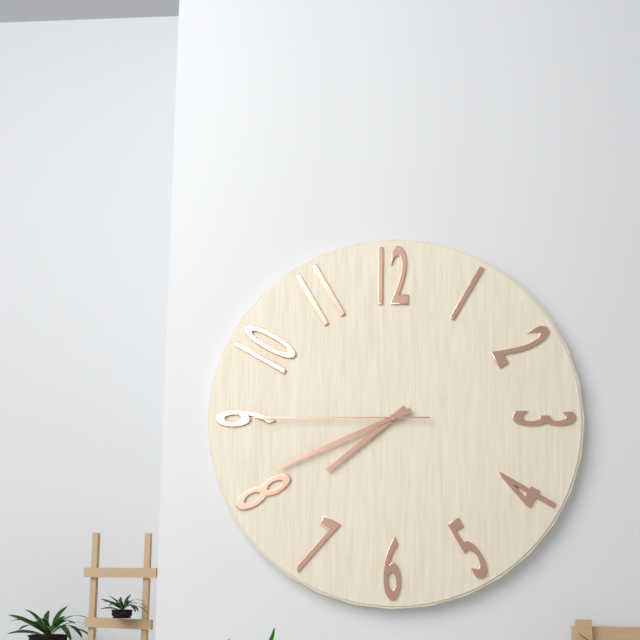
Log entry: 7:41:45
